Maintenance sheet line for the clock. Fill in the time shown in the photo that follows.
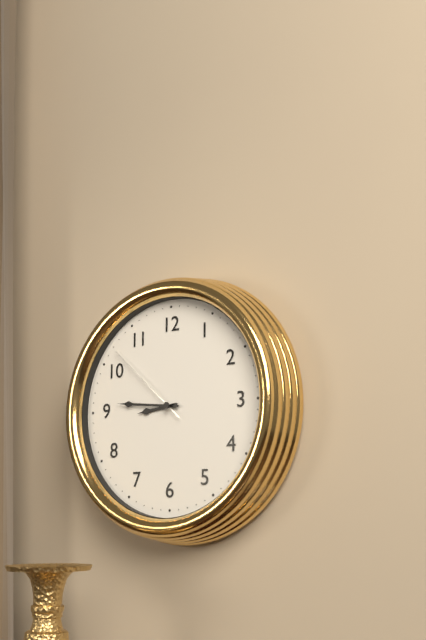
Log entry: 8:46:52
